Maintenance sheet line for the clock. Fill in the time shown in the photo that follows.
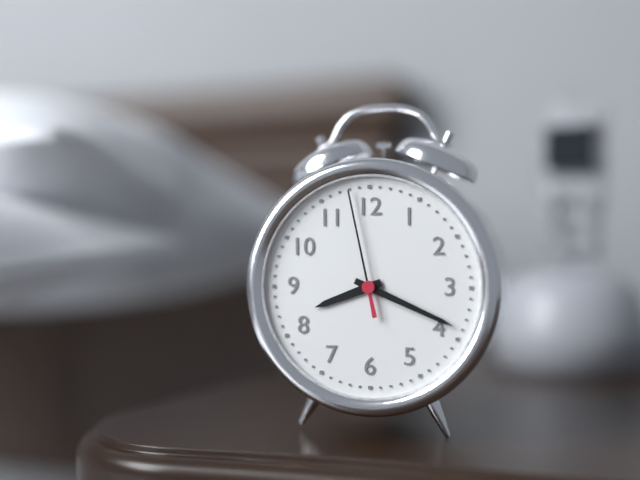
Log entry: 8:19:58
